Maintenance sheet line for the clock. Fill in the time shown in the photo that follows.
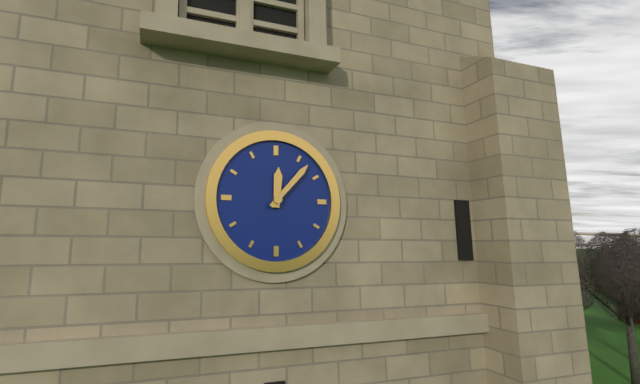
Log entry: 12:07
